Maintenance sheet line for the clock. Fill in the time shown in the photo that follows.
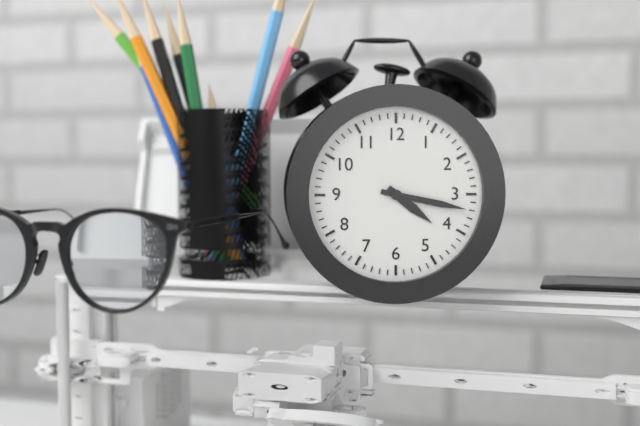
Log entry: 4:17
